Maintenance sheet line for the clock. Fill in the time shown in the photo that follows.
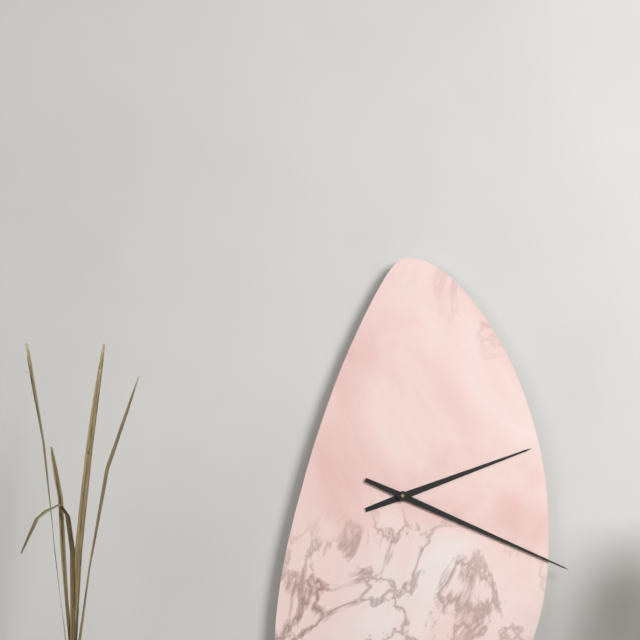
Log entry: 2:19
